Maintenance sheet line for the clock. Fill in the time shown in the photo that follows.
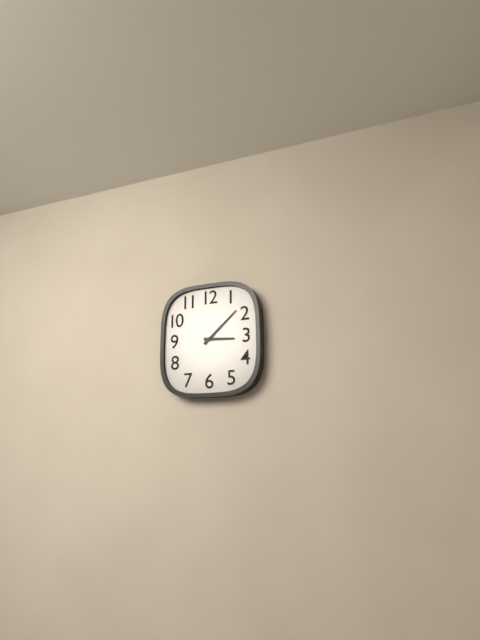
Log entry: 3:08
